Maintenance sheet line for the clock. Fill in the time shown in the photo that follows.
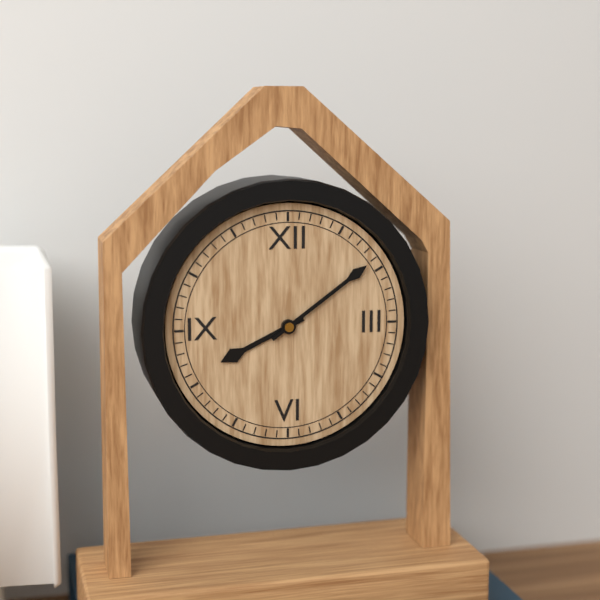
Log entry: 8:09
